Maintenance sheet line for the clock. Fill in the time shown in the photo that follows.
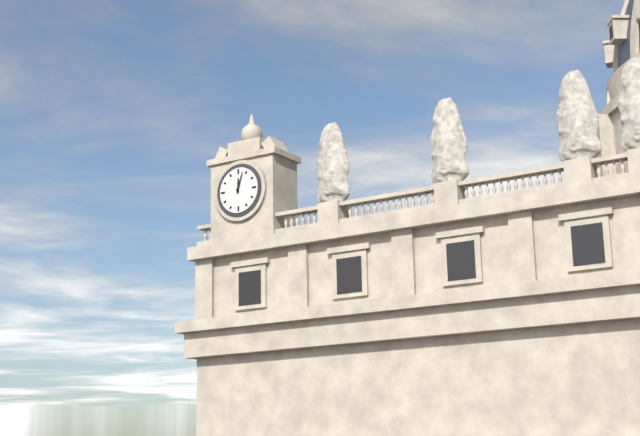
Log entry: 12:03
